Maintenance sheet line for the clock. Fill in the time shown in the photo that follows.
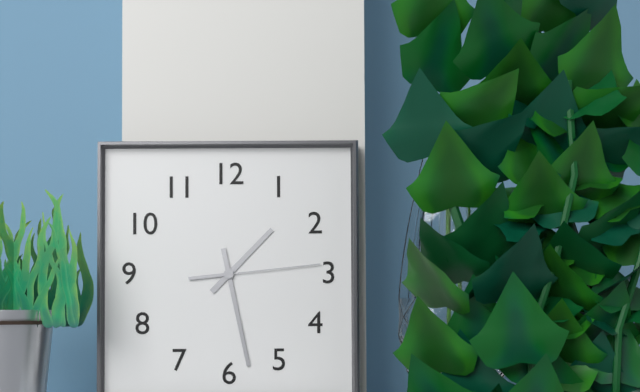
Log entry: 1:28:14
